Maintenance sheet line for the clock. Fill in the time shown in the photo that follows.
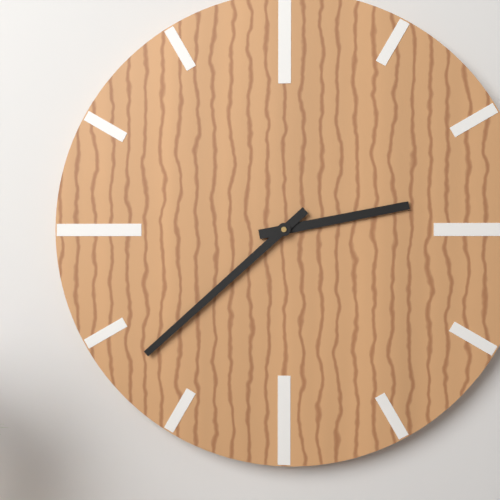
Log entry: 2:38
